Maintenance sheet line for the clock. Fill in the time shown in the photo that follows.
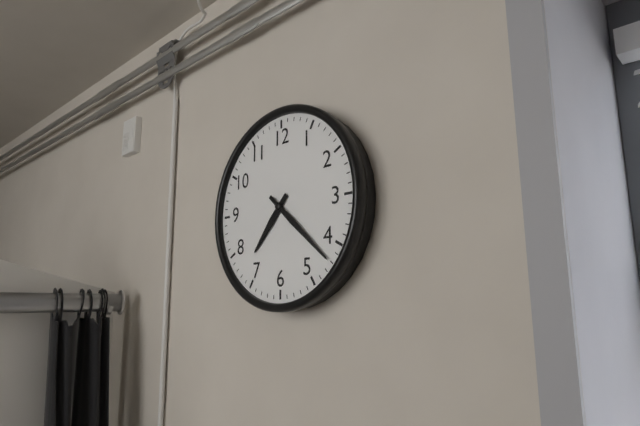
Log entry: 7:22
